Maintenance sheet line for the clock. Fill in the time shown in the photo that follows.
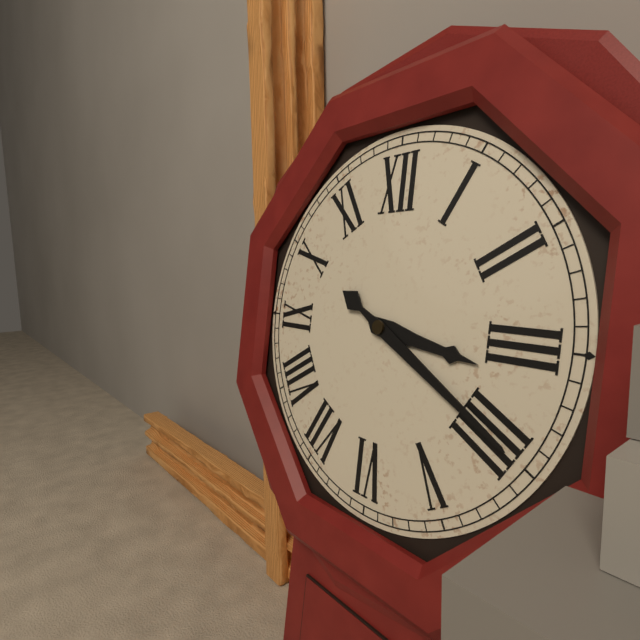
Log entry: 3:20
